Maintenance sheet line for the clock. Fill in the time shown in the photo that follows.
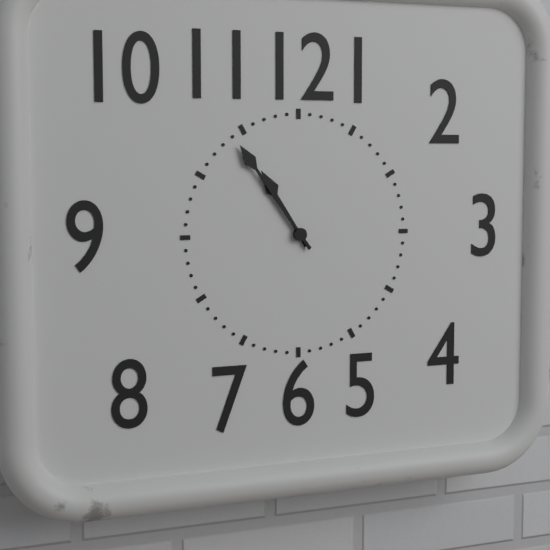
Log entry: 10:54
